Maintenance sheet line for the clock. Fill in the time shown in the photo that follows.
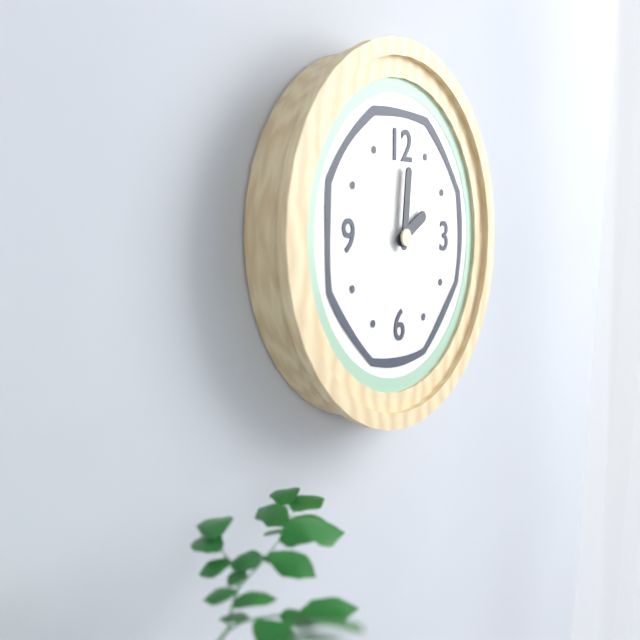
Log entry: 2:01
